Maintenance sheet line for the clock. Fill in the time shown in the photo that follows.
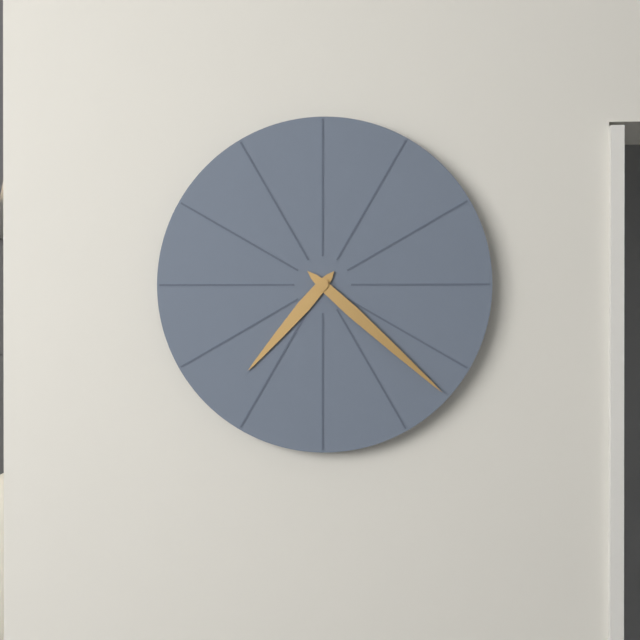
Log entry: 7:22
